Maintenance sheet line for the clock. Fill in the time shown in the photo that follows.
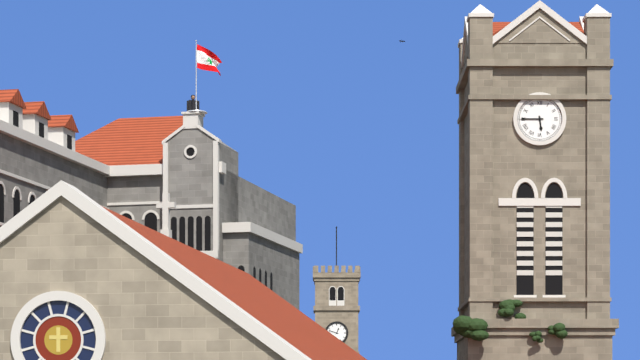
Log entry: 5:45
